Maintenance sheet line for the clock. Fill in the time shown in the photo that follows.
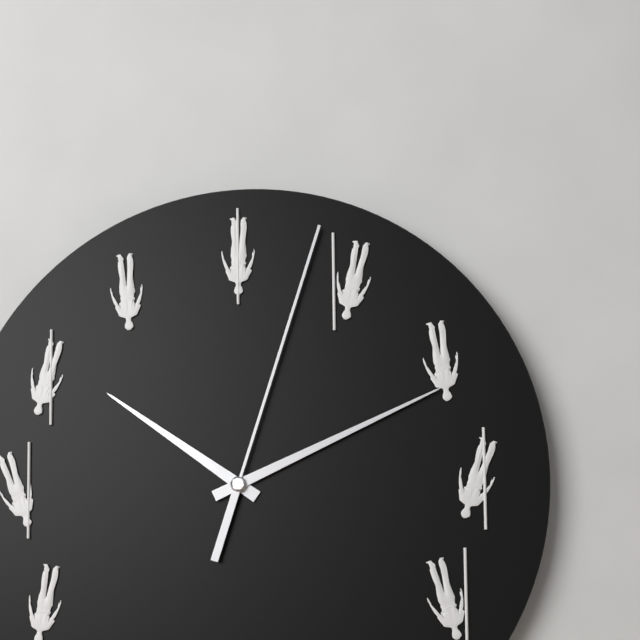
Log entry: 10:11:03
